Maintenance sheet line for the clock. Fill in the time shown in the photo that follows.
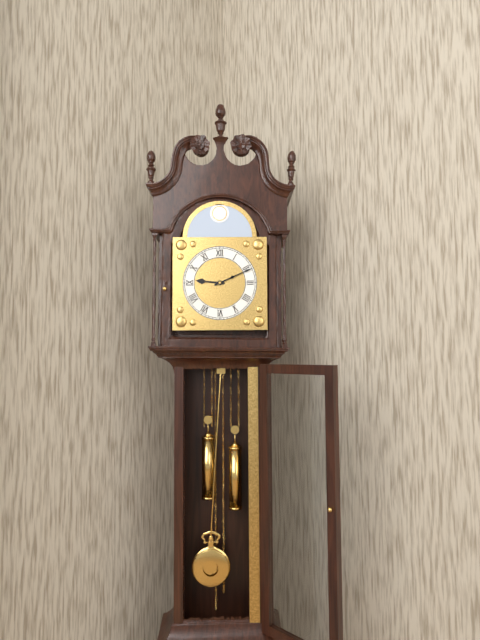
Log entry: 9:11
